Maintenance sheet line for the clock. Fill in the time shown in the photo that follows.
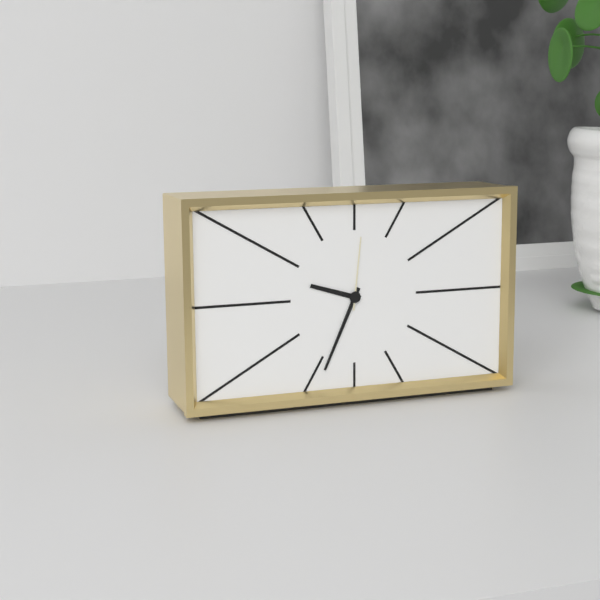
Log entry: 9:34:01
